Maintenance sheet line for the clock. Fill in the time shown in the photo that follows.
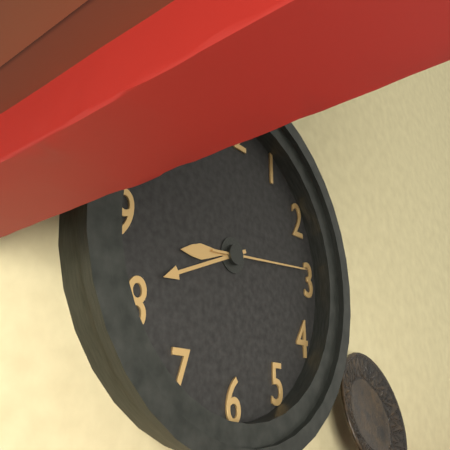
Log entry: 8:41:14
